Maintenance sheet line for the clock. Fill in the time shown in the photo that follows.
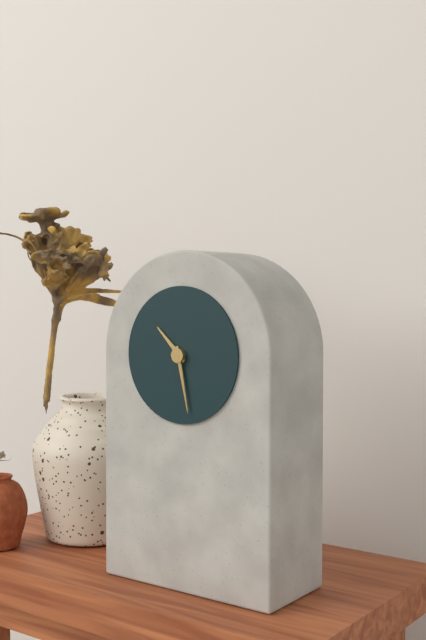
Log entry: 10:28
